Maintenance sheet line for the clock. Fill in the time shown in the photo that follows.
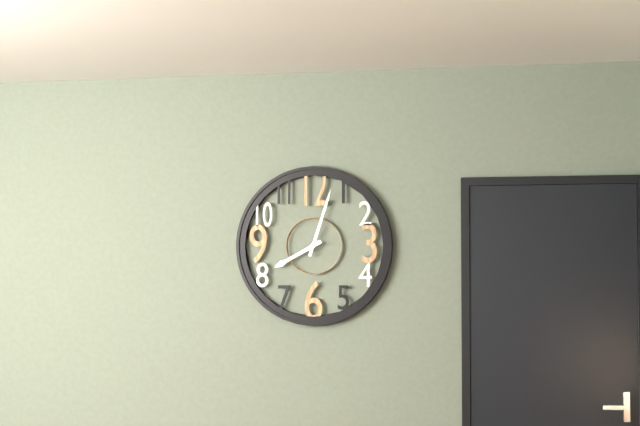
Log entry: 8:03
